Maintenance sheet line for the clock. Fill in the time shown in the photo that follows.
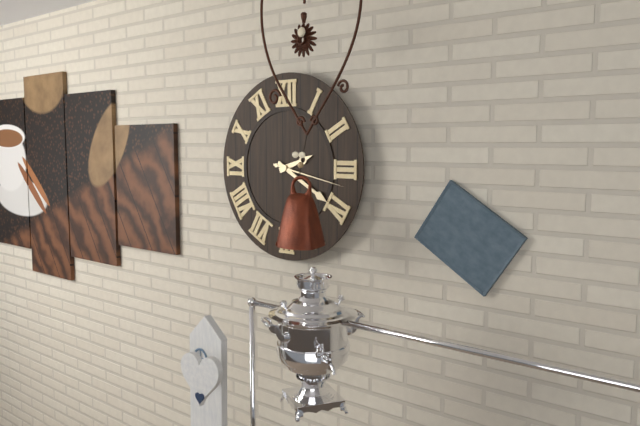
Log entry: 2:20:17
